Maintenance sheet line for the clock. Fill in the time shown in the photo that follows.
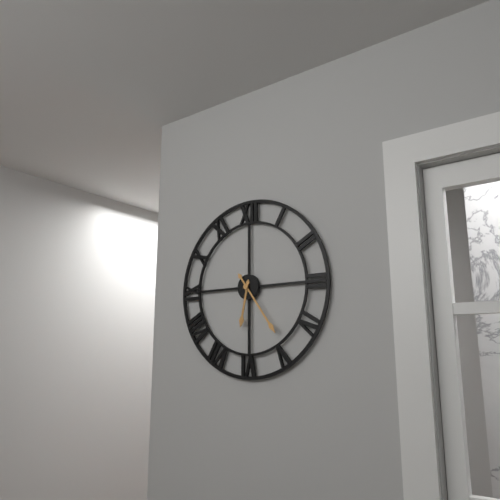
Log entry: 6:24
